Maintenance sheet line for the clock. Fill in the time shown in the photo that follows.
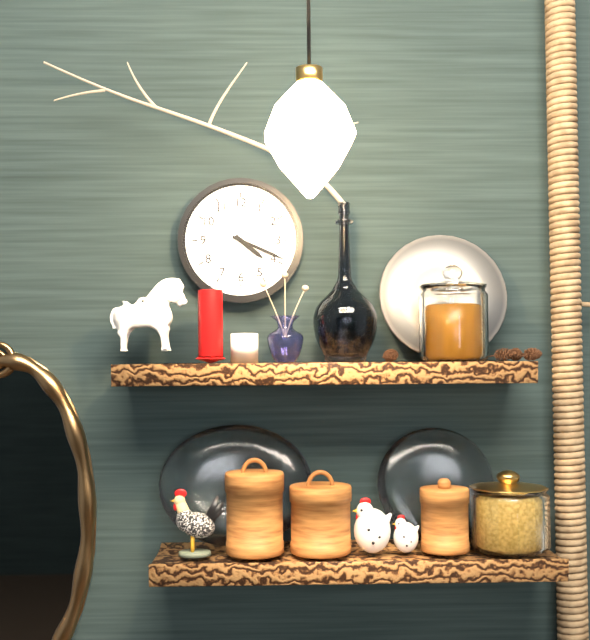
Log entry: 4:19
